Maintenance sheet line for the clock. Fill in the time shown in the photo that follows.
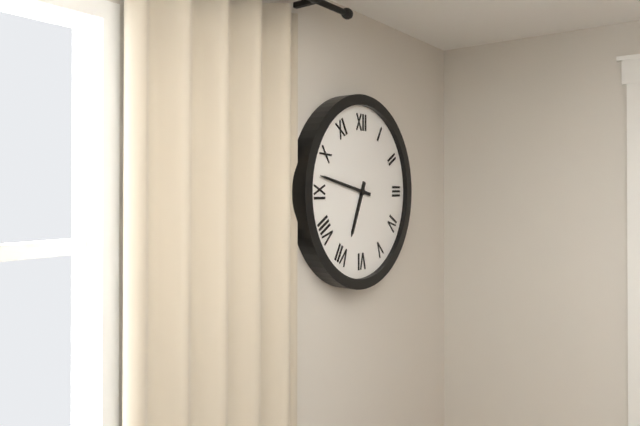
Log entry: 6:47
